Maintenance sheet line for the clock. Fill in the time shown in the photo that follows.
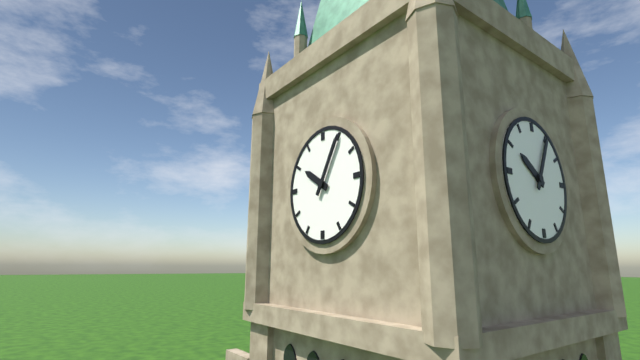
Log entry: 10:05
